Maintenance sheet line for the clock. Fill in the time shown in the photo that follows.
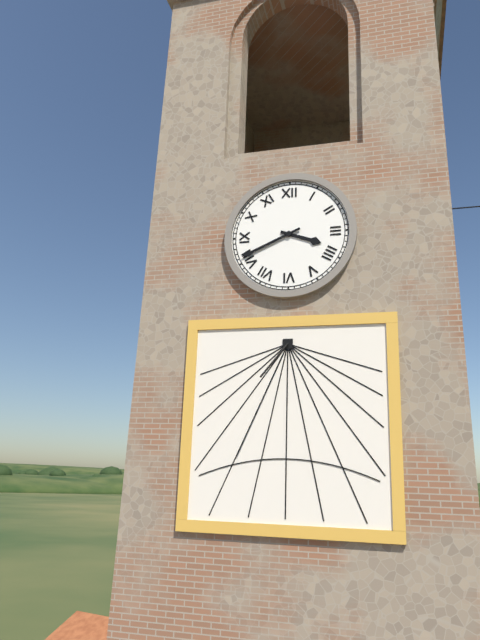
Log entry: 3:41
